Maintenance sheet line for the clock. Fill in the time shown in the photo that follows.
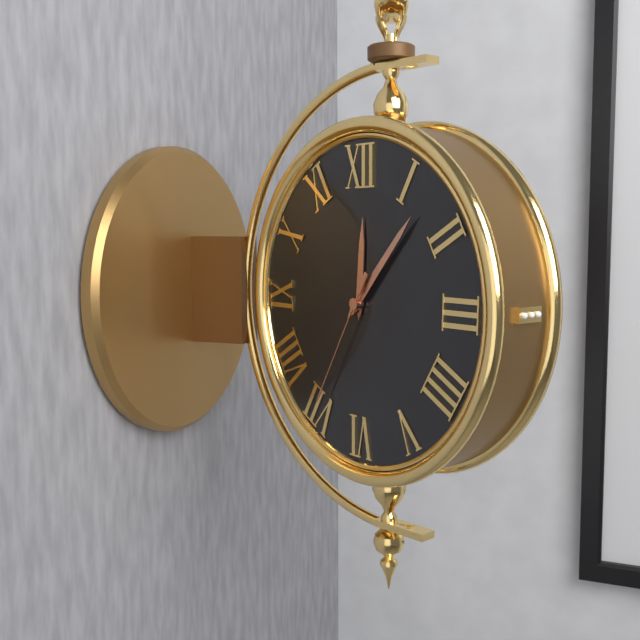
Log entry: 12:07:35
